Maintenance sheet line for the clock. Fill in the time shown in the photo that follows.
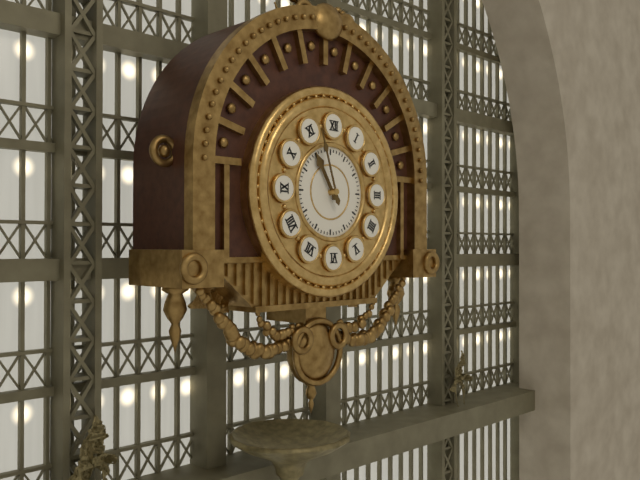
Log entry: 10:57
